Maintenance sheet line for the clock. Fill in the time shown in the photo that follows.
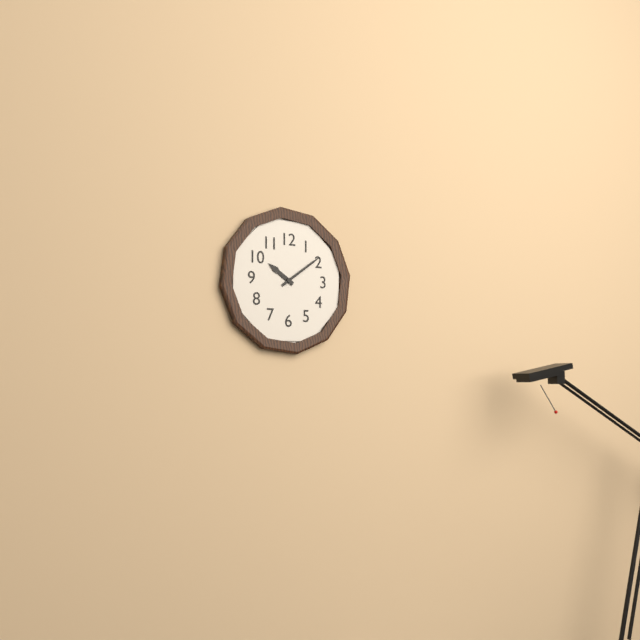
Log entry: 10:09
